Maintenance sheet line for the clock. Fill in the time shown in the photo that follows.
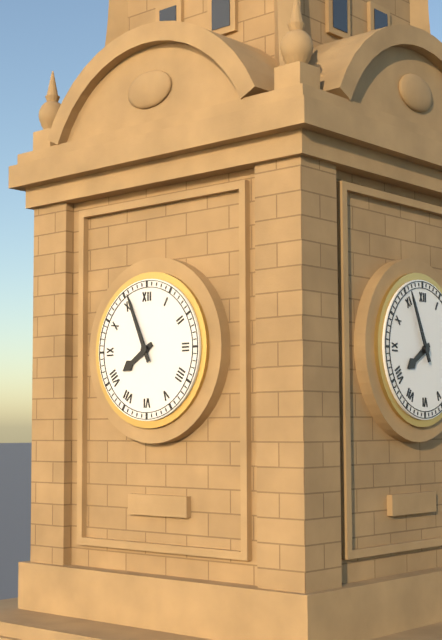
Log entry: 7:56
